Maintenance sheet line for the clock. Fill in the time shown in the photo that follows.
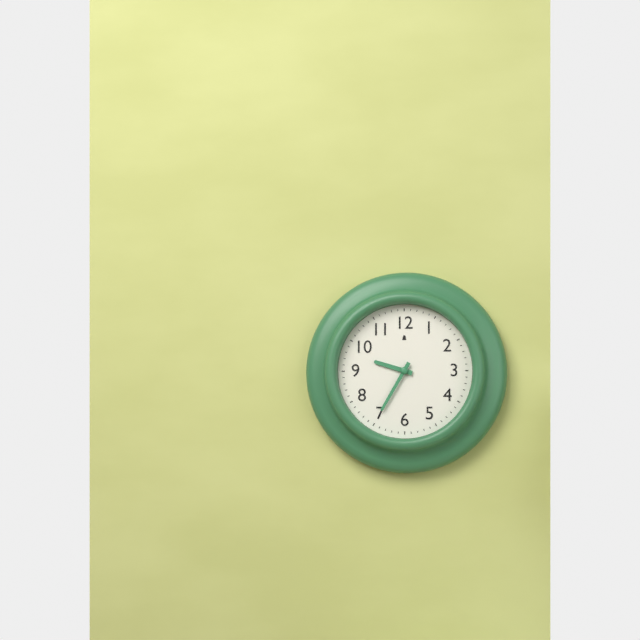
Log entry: 9:35
